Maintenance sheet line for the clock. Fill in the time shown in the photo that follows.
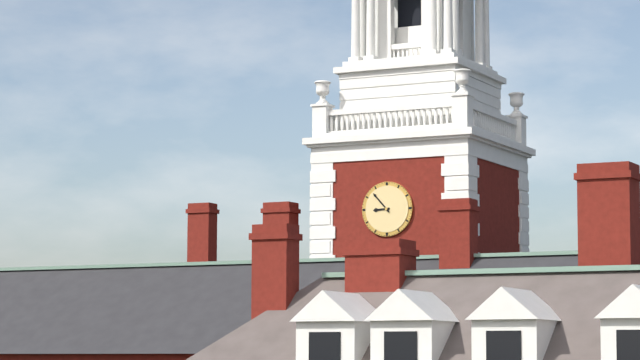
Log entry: 8:53
